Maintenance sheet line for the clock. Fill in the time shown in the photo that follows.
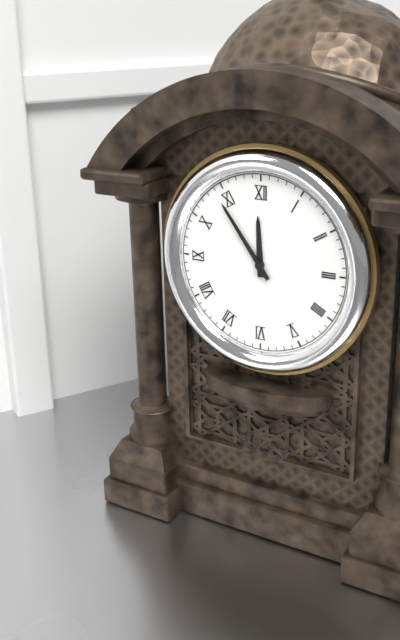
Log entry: 11:54
